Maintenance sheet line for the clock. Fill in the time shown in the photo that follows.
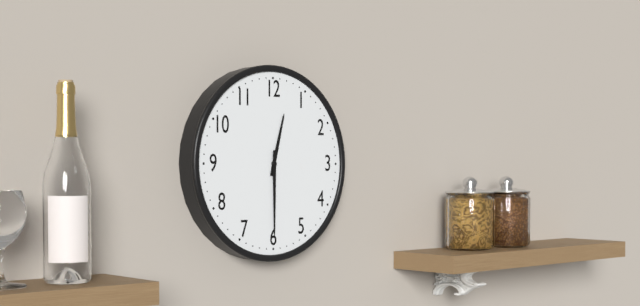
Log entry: 12:30
